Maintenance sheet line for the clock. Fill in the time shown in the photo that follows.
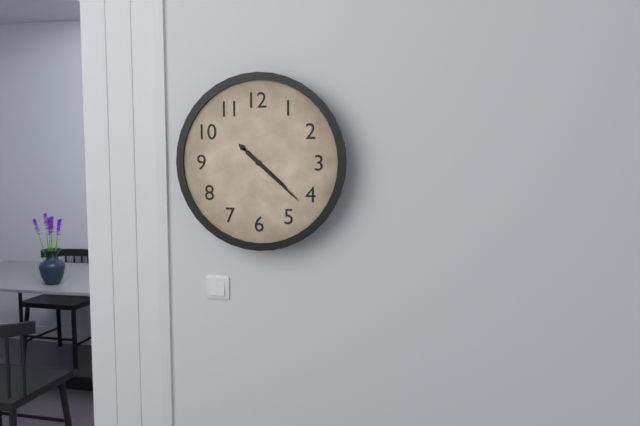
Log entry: 4:22
